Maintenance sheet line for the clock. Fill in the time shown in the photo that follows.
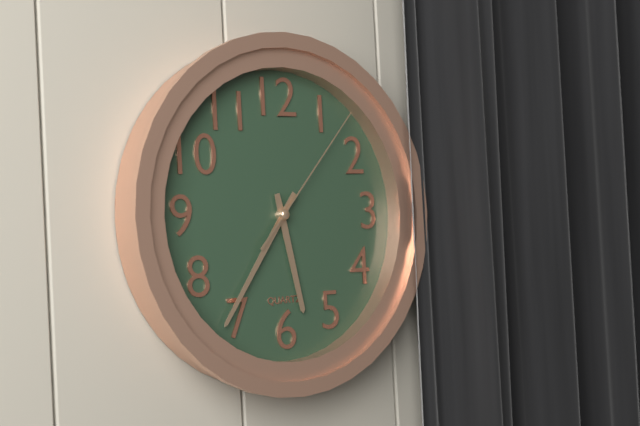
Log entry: 5:36:07
